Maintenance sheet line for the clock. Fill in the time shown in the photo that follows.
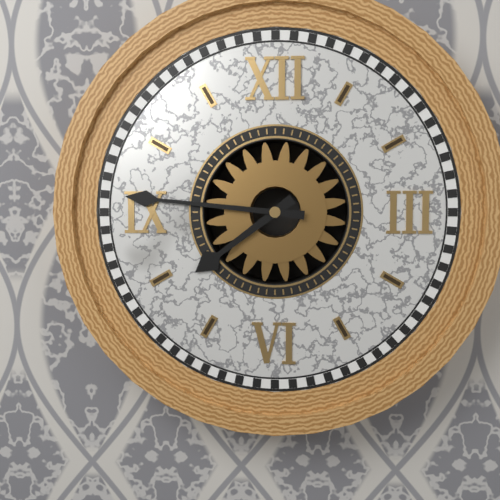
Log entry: 7:46
